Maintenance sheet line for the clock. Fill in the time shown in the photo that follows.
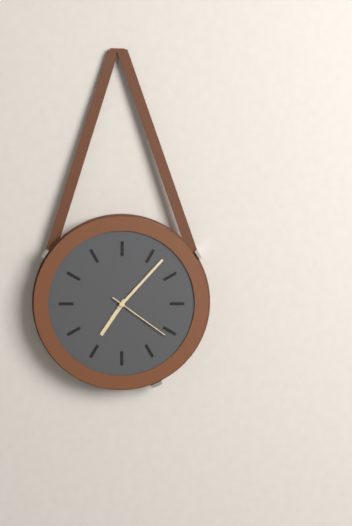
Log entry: 7:07:21
